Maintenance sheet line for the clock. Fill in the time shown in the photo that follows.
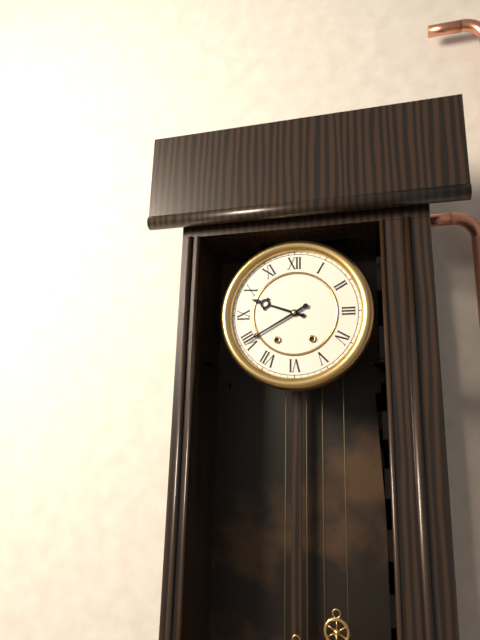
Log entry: 9:40
